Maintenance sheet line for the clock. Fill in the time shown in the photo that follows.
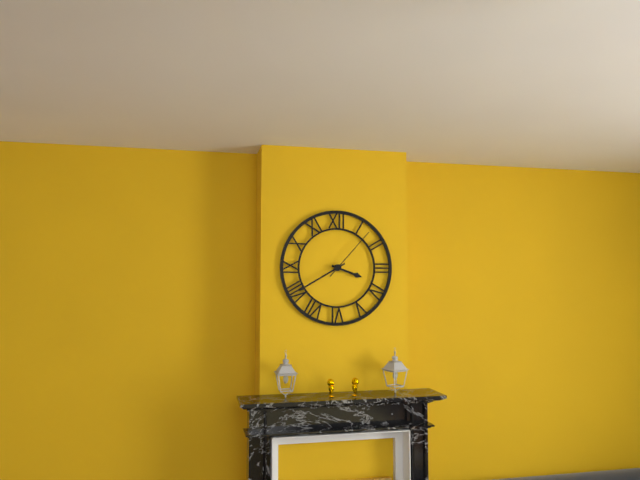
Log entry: 3:40:07
